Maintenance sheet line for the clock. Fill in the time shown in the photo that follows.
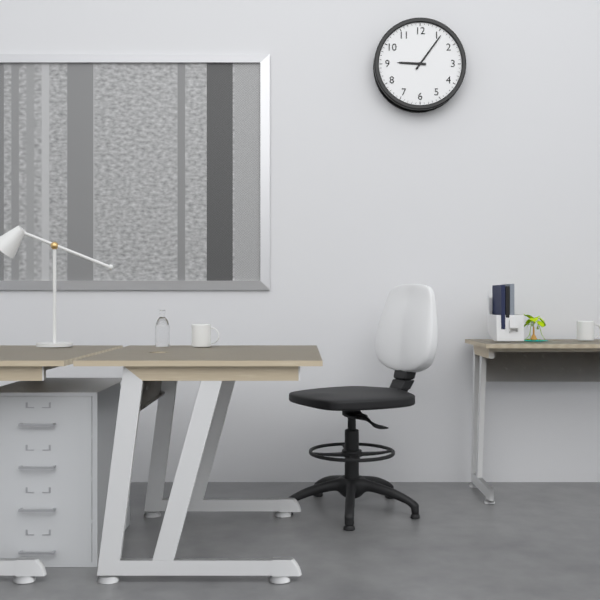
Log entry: 9:06
